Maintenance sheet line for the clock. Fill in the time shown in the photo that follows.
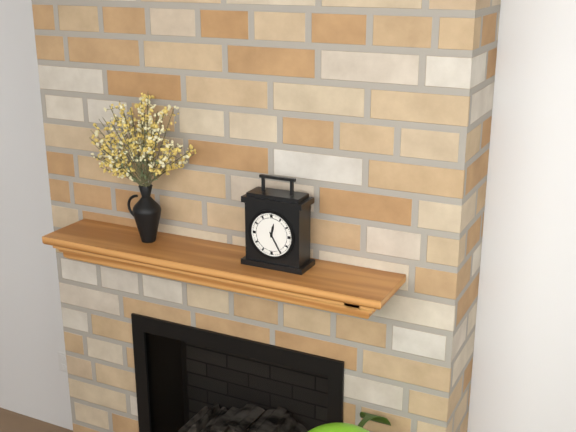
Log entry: 12:25
